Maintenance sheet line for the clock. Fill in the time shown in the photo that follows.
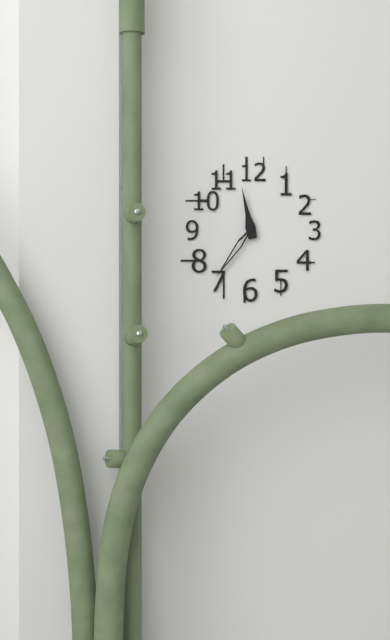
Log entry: 11:36
